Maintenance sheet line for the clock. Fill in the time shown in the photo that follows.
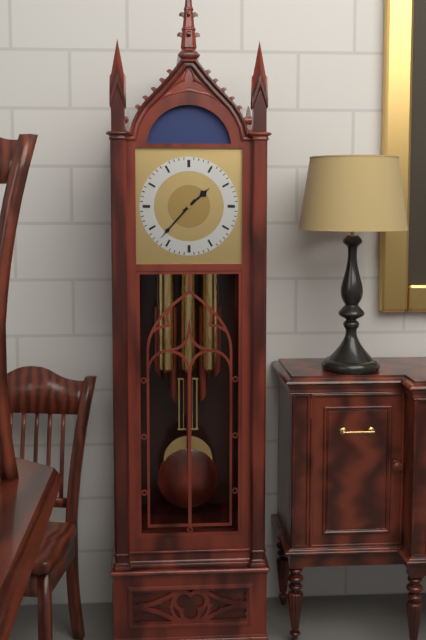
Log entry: 1:37
